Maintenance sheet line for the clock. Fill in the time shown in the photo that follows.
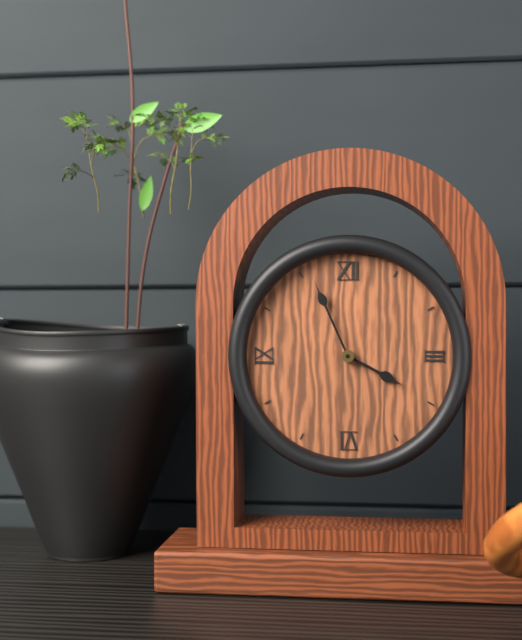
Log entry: 3:56
